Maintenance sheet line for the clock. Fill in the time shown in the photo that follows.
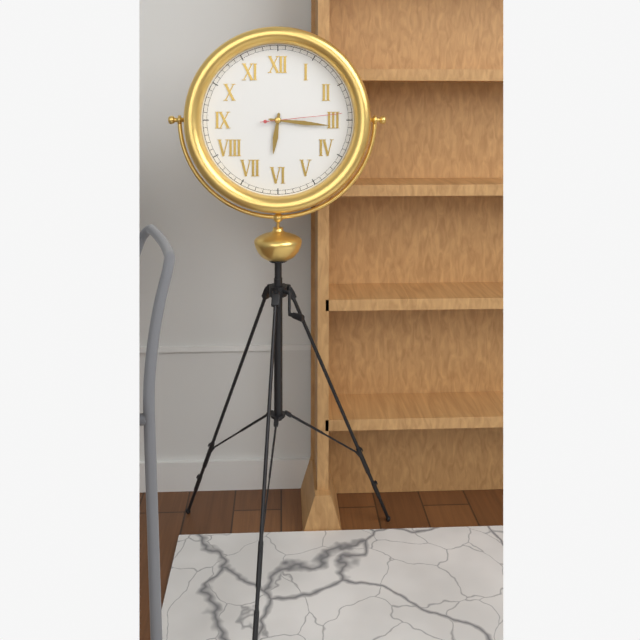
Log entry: 6:16:14
